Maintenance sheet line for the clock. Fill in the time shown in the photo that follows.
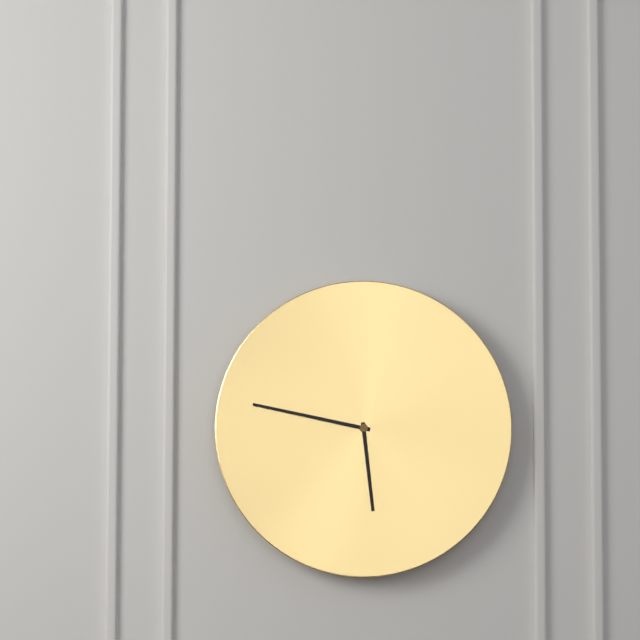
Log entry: 5:47
